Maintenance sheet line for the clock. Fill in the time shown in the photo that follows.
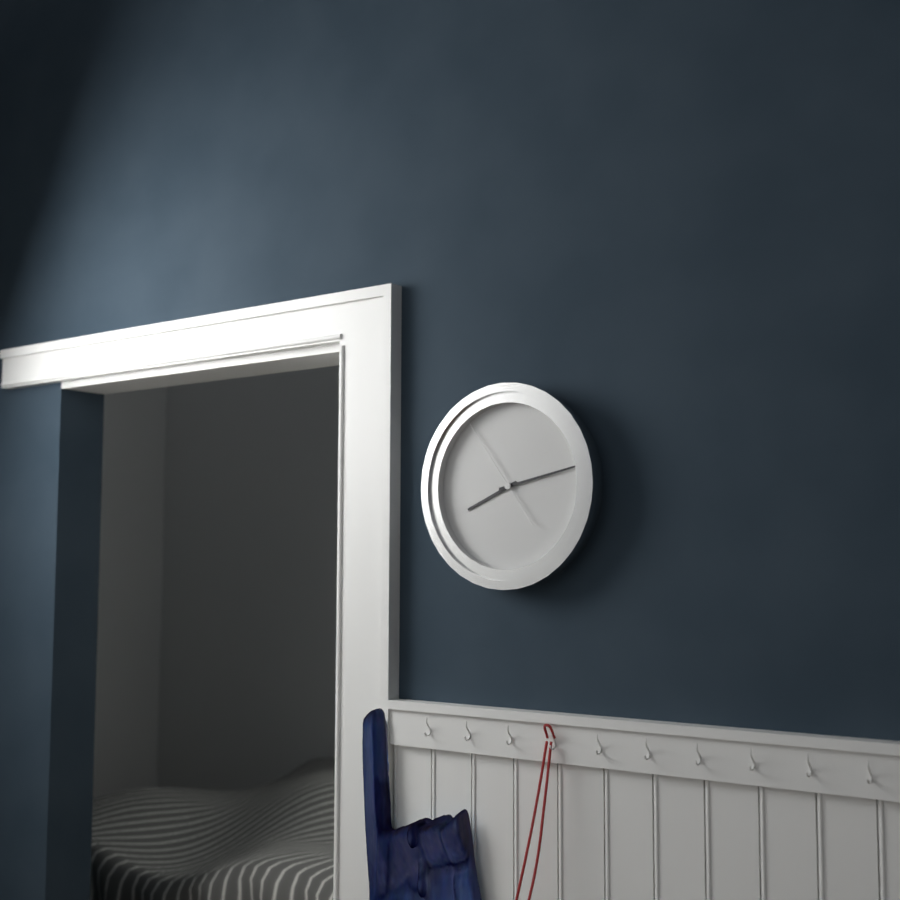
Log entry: 8:13:54
